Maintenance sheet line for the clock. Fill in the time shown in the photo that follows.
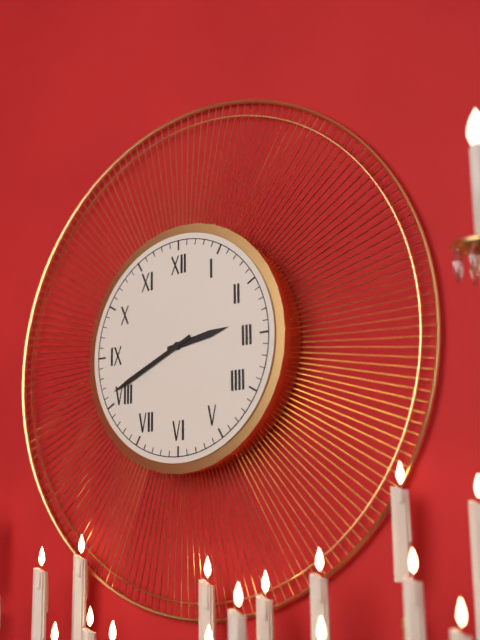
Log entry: 2:41
